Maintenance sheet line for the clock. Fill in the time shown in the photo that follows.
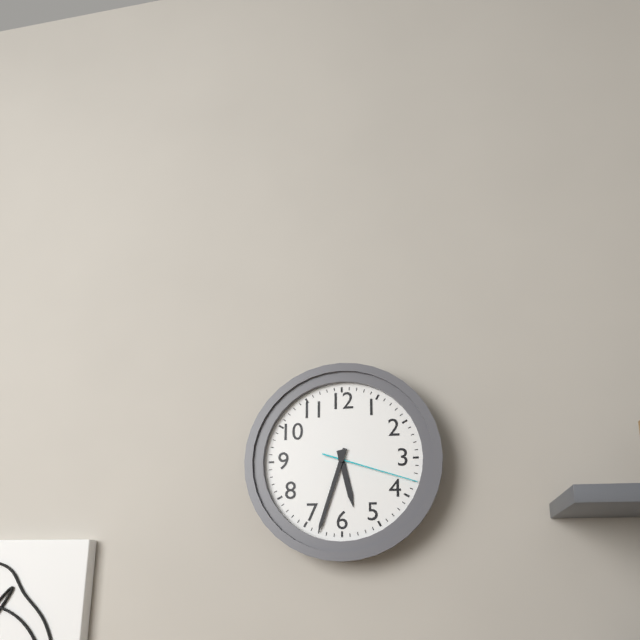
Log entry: 5:33:18
